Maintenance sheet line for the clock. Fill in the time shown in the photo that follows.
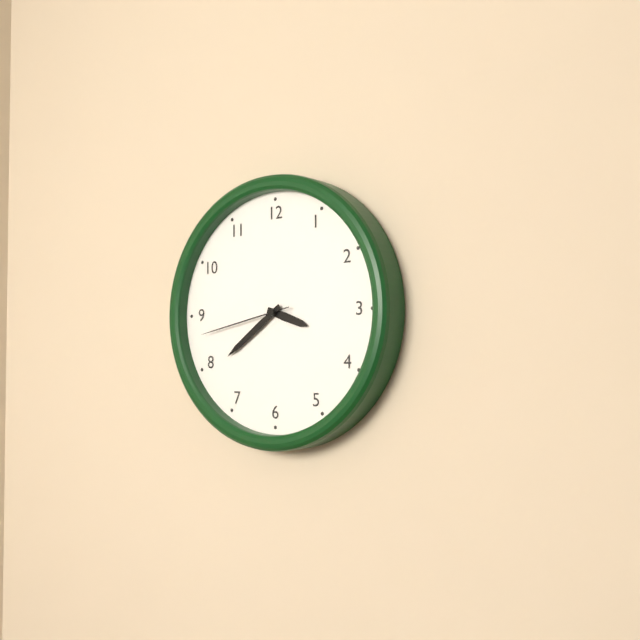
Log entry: 3:39:43
